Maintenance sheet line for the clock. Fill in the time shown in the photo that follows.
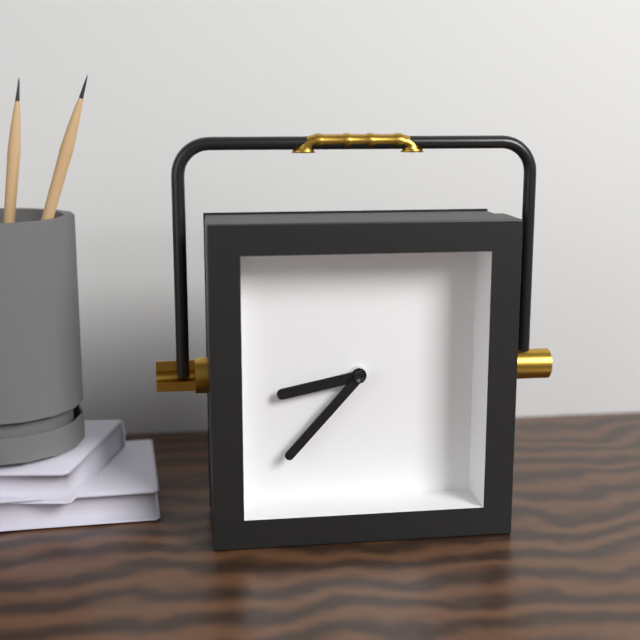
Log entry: 8:37
